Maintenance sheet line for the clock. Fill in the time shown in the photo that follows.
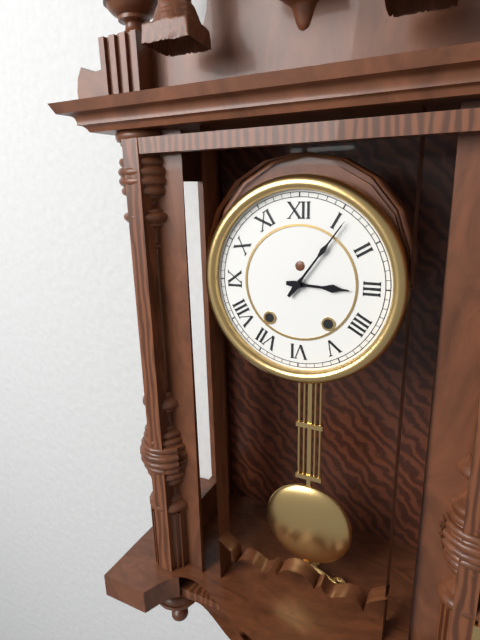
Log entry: 3:06
